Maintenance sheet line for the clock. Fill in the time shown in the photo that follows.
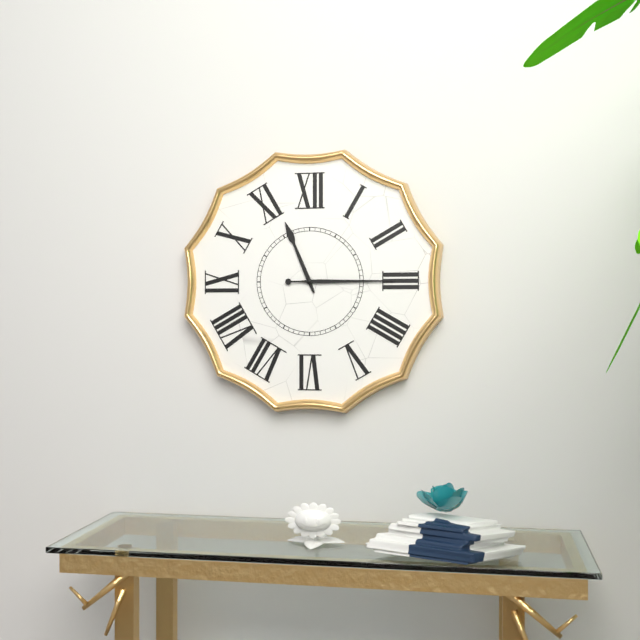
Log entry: 11:15
